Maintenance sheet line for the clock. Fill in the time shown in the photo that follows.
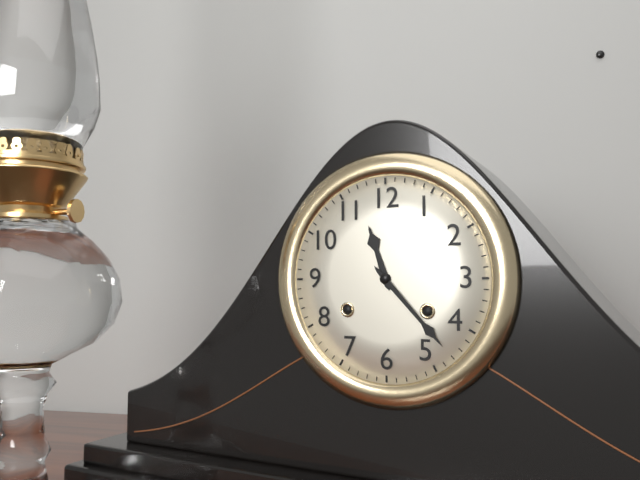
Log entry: 11:23
